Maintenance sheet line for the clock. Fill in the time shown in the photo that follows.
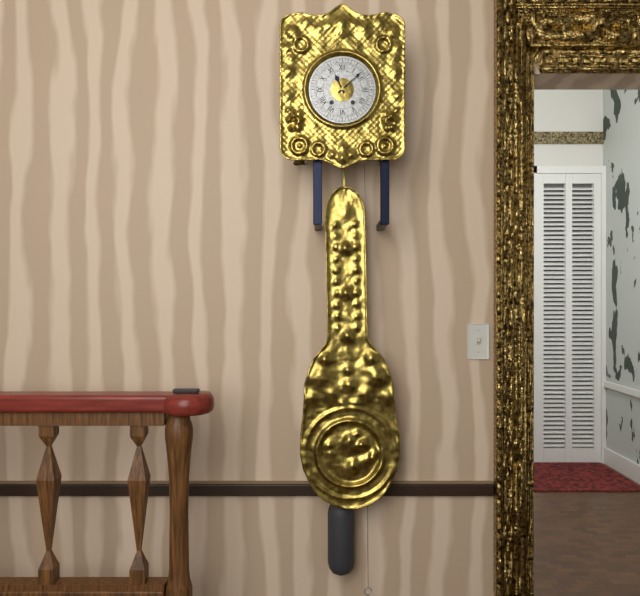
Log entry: 11:08
